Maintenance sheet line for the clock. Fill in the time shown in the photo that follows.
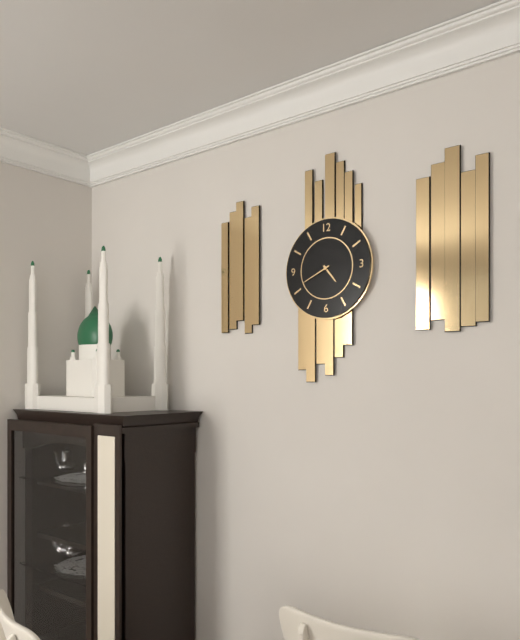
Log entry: 4:41
